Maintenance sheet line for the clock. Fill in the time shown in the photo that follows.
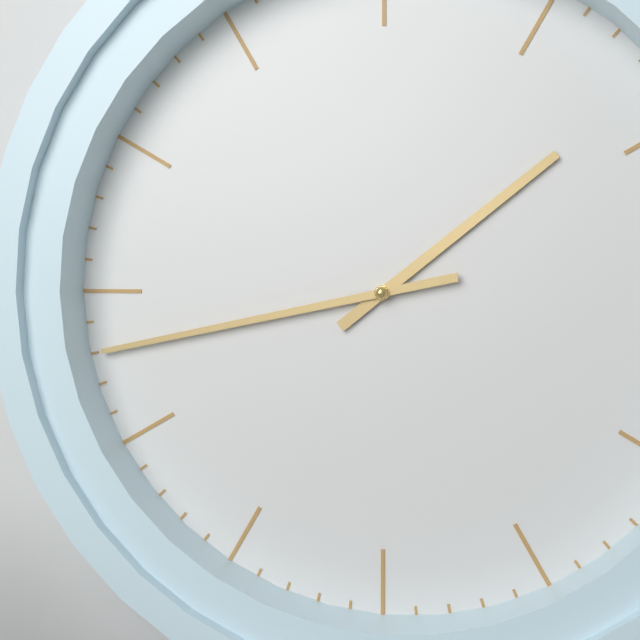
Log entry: 1:43
